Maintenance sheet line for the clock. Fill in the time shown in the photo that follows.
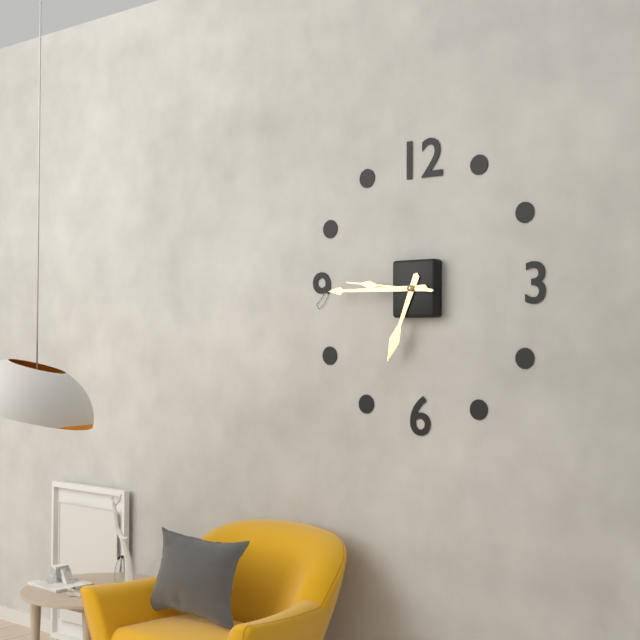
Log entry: 6:45:46
